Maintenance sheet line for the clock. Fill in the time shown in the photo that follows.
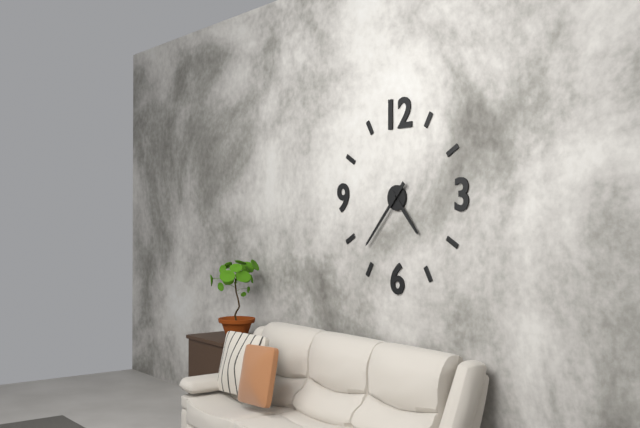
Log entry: 4:37
